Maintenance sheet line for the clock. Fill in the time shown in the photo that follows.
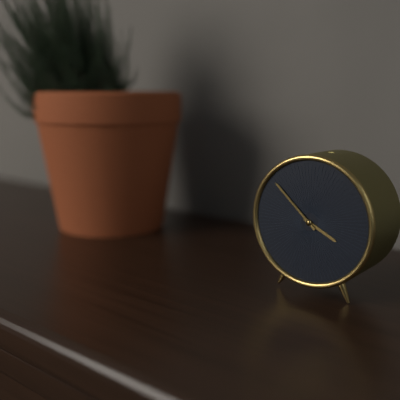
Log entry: 3:52
